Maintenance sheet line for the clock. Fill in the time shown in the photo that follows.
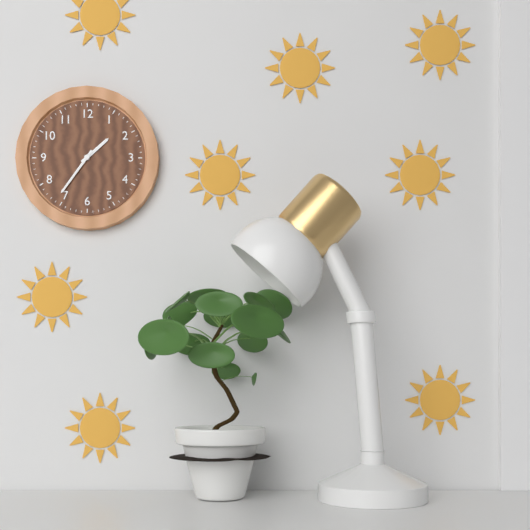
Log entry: 1:36
